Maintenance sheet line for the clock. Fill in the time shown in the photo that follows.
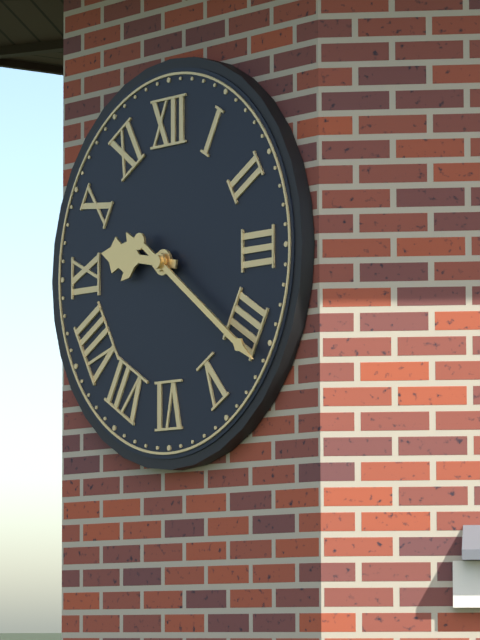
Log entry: 9:21
